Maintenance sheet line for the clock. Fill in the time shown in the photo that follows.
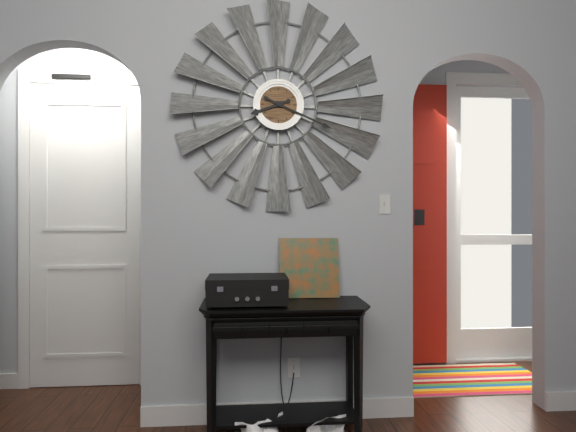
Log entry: 8:19
